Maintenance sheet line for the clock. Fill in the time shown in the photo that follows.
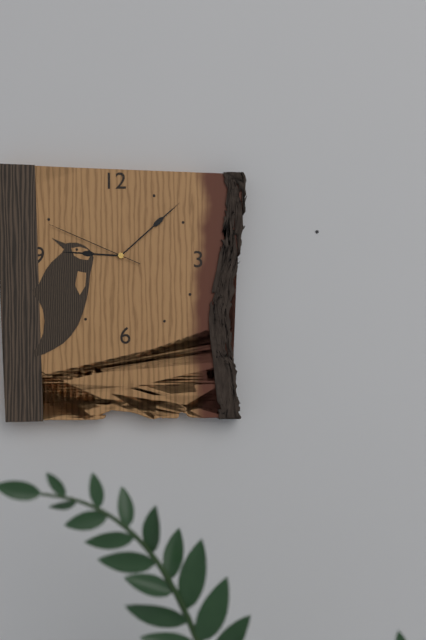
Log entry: 9:08:49
